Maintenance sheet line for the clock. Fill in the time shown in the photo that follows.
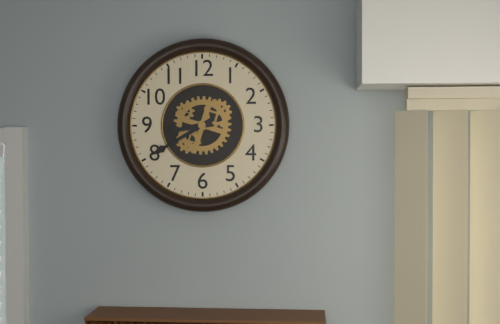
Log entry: 8:40
